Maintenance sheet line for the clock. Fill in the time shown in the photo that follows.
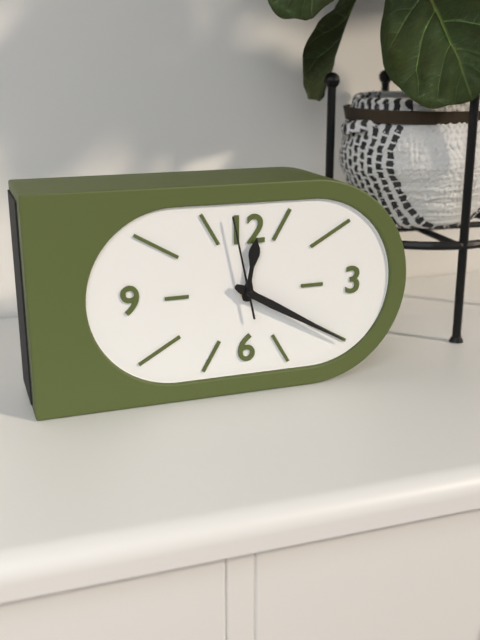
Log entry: 12:20:58
